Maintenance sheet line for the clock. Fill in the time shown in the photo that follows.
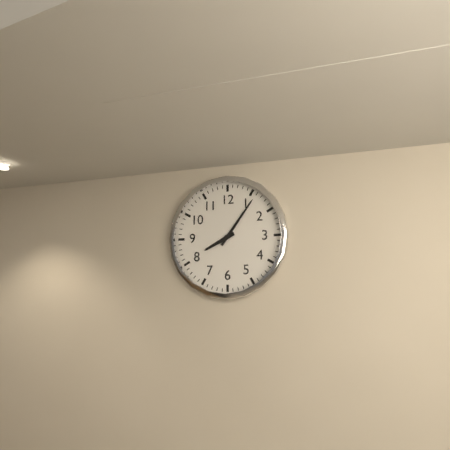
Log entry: 8:06
